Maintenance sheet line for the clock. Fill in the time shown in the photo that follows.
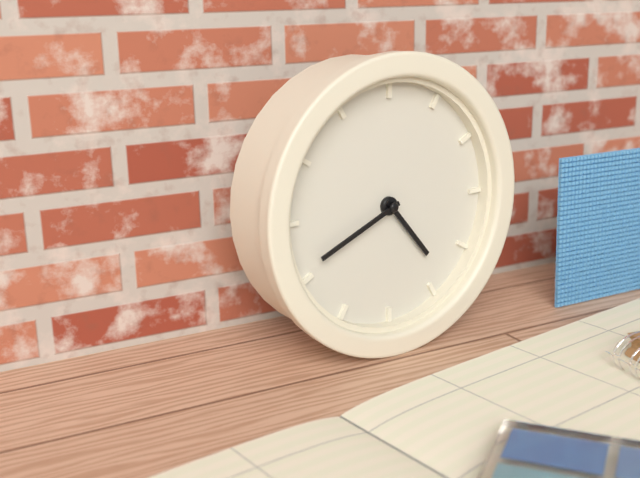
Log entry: 4:41
